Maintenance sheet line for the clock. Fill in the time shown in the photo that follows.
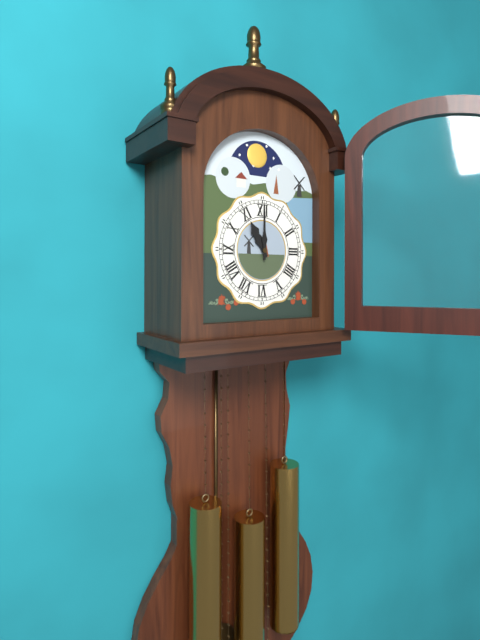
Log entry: 11:00
